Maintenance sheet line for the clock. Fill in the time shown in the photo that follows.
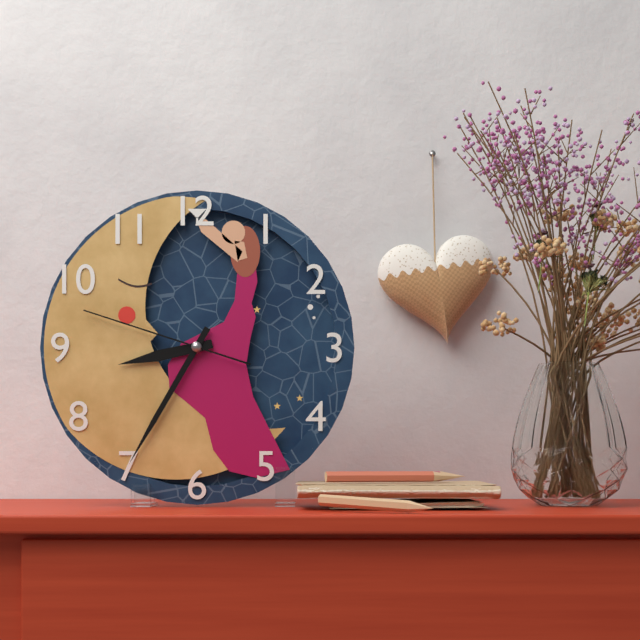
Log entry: 8:35:48
